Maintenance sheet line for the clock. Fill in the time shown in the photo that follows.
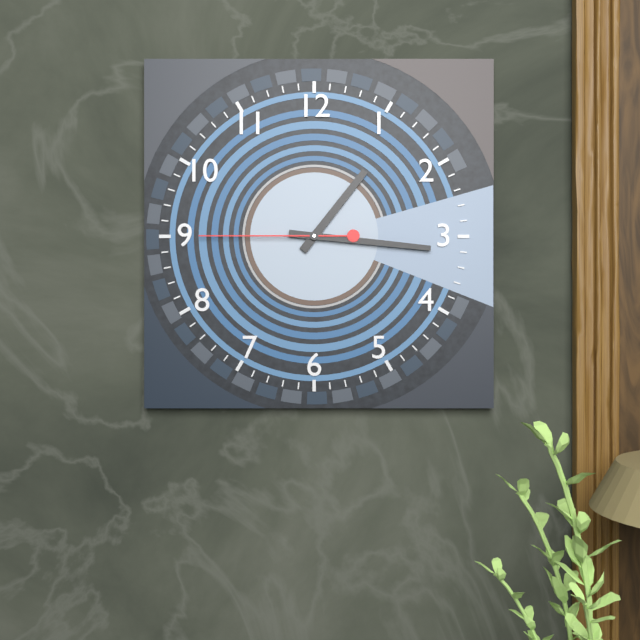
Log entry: 1:16:45
